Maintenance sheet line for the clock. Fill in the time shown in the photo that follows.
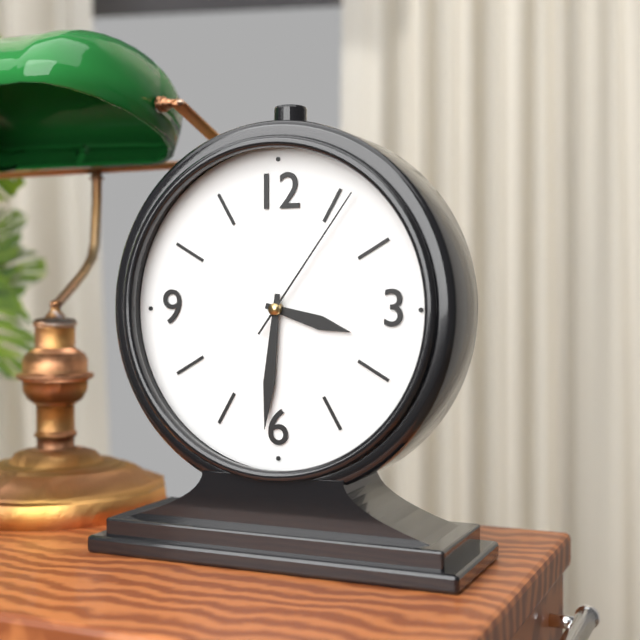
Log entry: 3:31:06
